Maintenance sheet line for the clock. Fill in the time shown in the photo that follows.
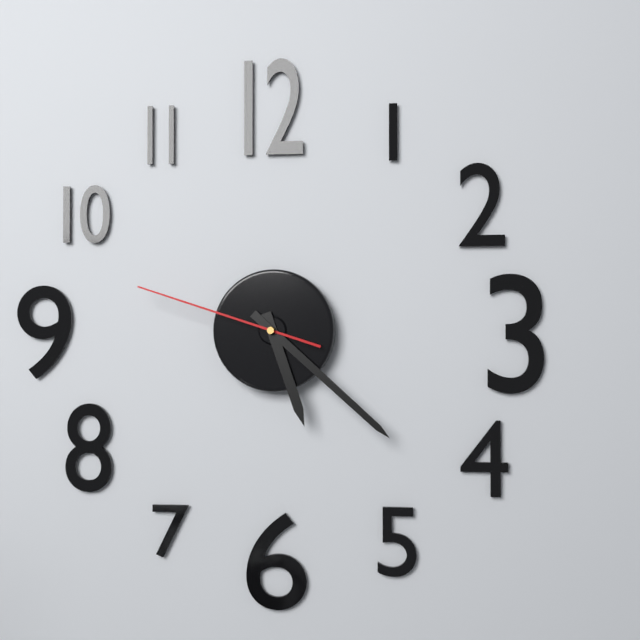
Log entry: 5:22:48
